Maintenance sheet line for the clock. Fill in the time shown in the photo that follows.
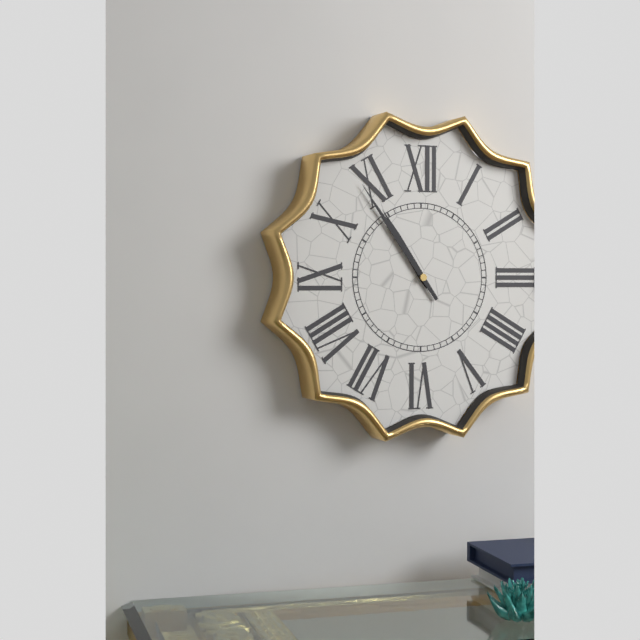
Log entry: 10:54
